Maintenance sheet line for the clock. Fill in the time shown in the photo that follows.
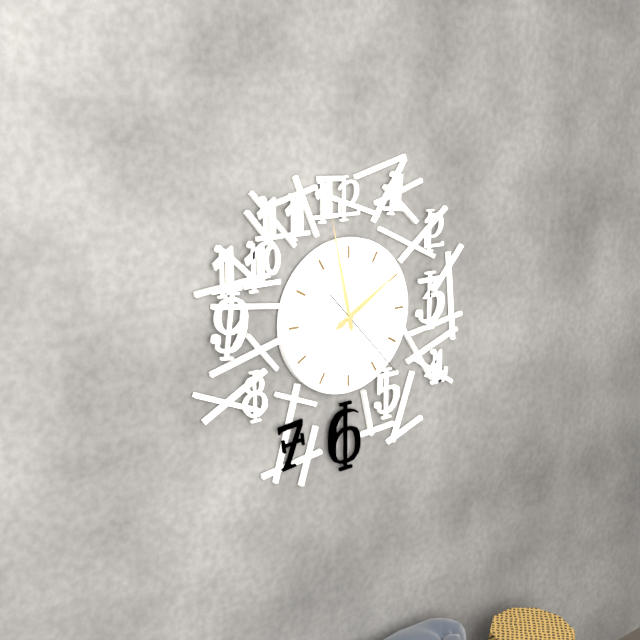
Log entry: 1:58:23
